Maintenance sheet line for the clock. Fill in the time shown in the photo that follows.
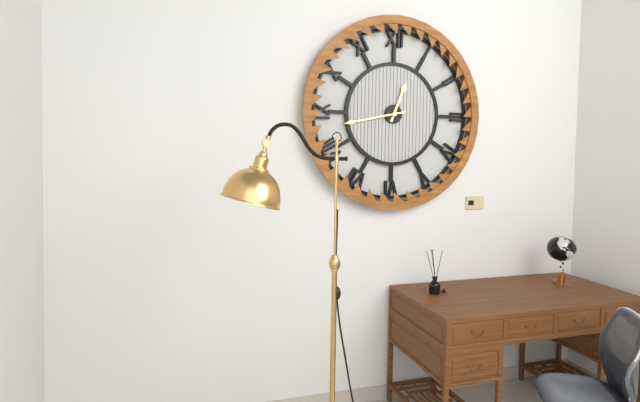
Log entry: 12:43
